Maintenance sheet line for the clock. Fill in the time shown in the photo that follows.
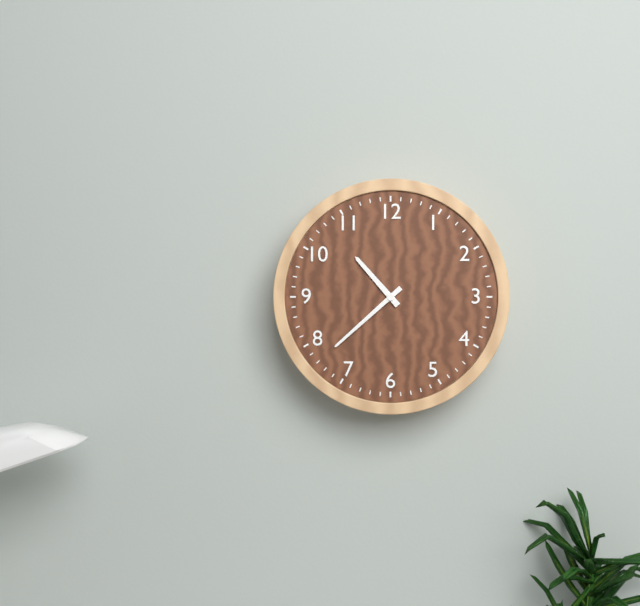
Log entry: 10:38
